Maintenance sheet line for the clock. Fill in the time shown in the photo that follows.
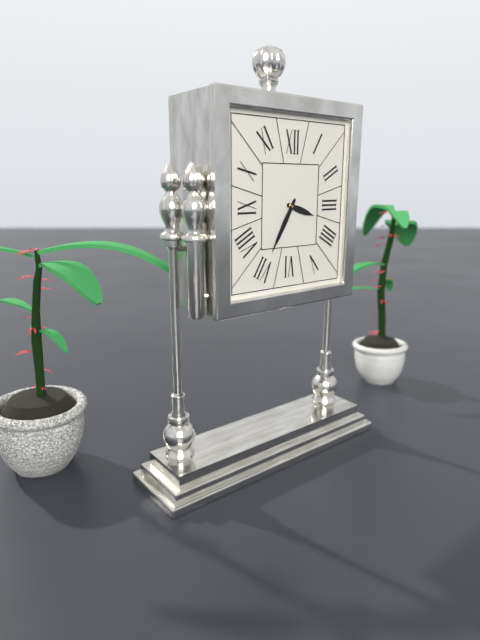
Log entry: 3:35
